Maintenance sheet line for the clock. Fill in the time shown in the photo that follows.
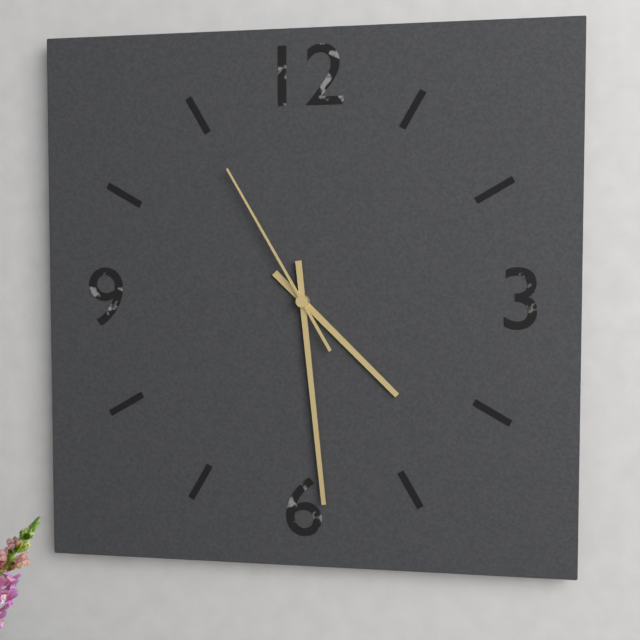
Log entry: 4:29:55
